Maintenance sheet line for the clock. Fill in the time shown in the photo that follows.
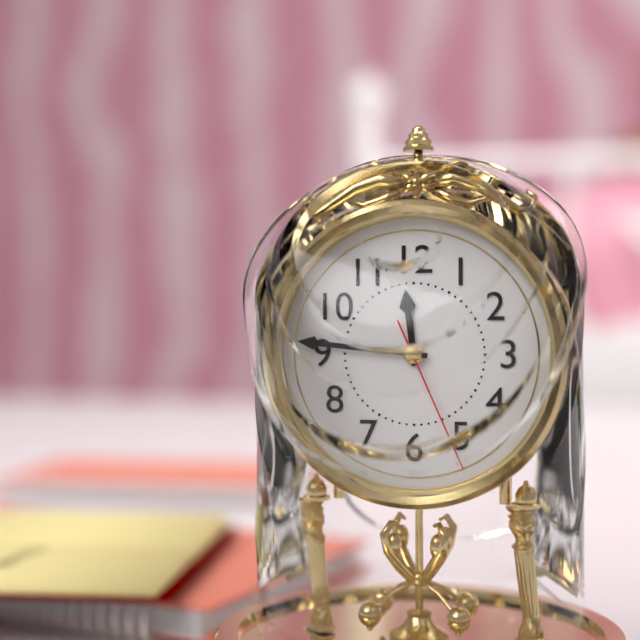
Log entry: 11:46:26
